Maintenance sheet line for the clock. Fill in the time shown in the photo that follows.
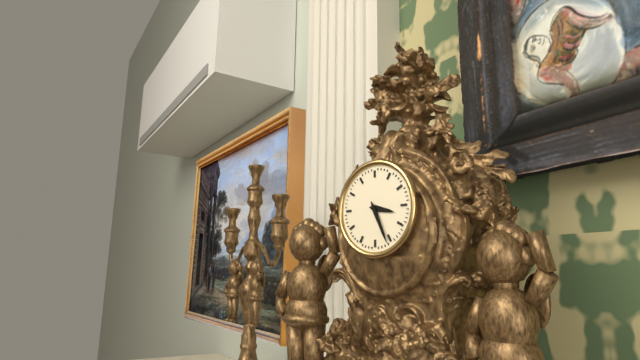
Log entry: 3:26
